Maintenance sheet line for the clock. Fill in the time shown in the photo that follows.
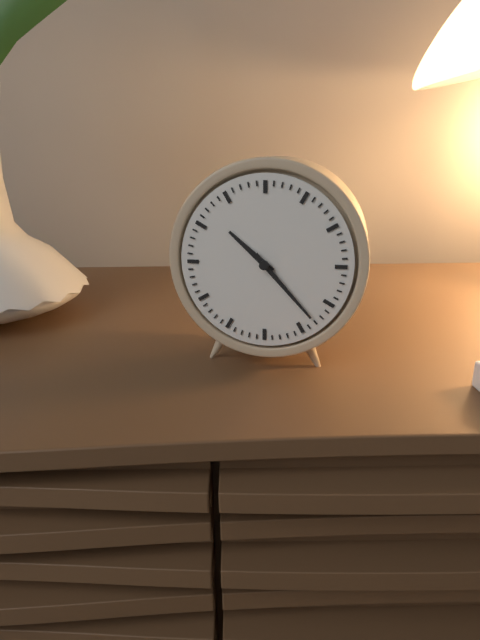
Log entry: 10:23
